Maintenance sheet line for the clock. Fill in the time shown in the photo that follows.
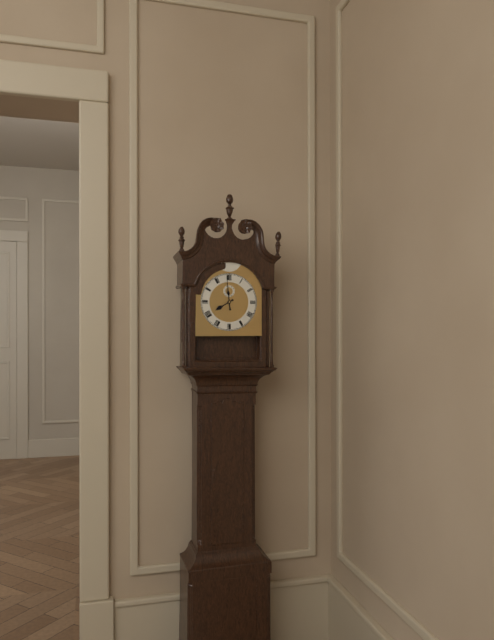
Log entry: 7:59
